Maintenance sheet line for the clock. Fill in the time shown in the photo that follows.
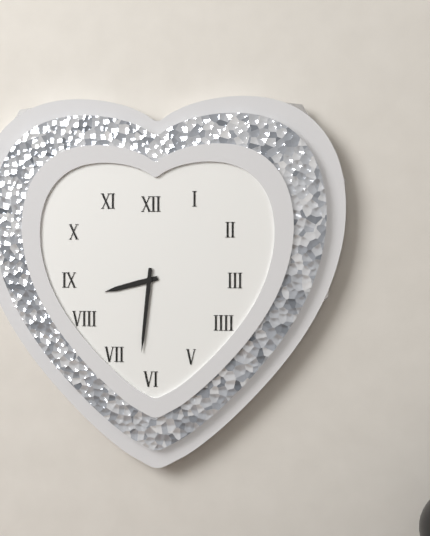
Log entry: 8:31
